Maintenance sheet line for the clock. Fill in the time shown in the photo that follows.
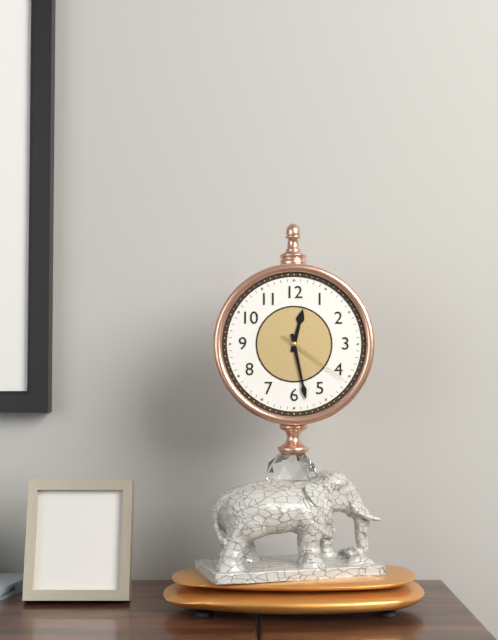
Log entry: 12:28:21
